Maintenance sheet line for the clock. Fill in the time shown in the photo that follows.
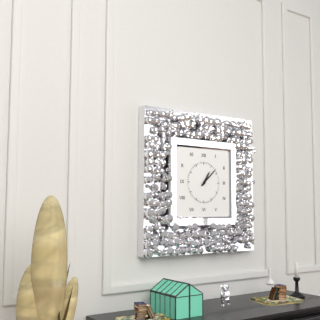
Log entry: 1:08
